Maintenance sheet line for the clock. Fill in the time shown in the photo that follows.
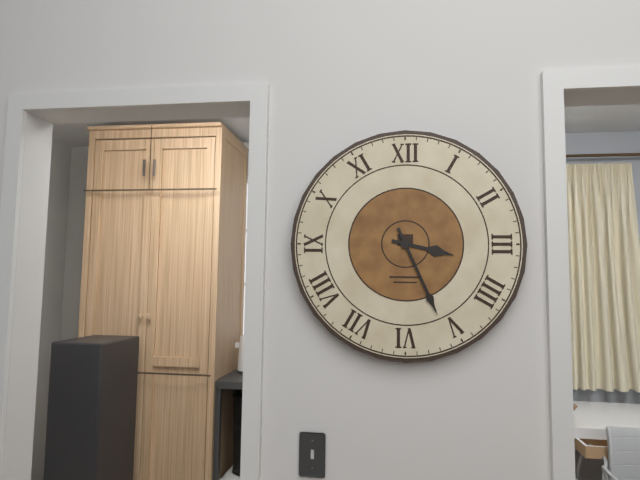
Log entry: 3:26
